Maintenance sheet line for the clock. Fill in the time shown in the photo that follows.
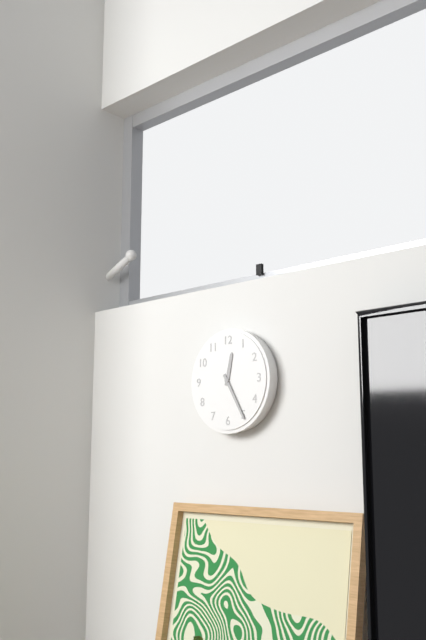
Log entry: 12:25
